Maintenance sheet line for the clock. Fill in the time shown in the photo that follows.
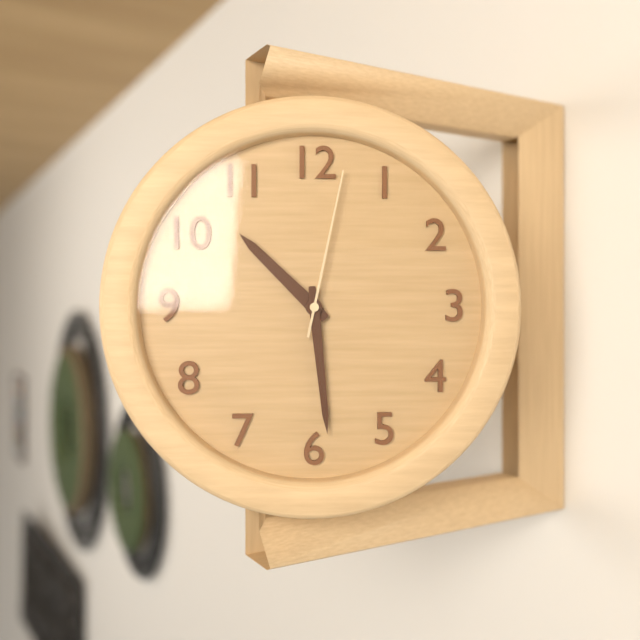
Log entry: 10:29:02
